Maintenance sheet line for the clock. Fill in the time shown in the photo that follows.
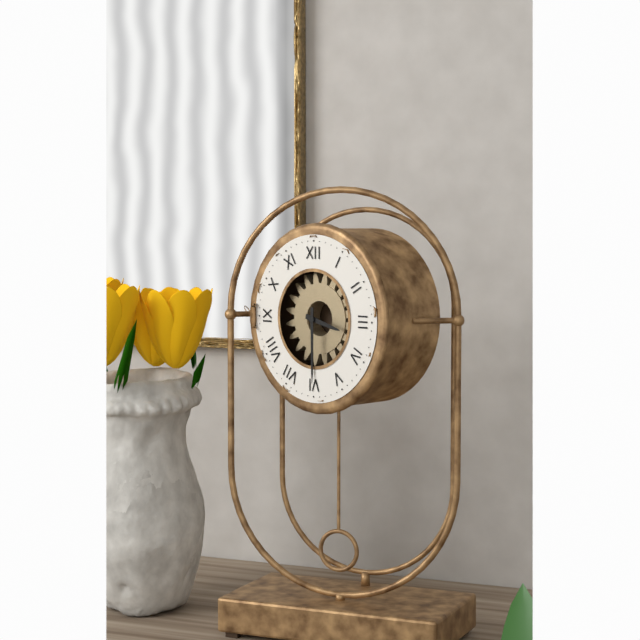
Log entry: 3:30
